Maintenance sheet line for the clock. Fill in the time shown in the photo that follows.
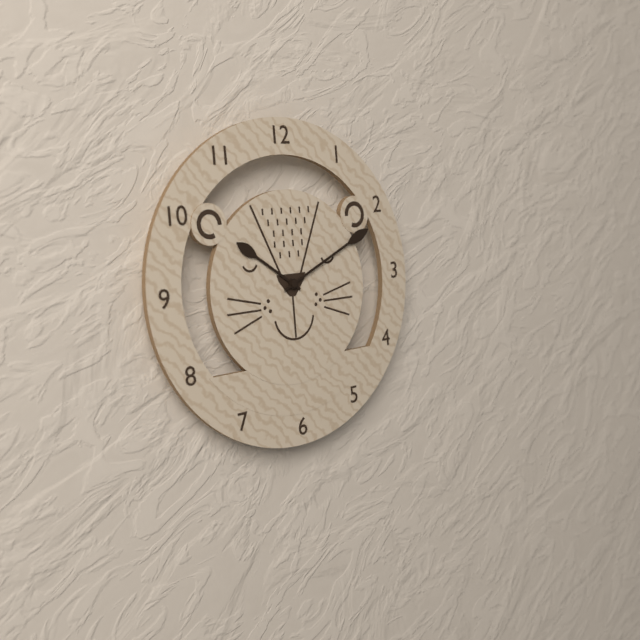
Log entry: 10:11
